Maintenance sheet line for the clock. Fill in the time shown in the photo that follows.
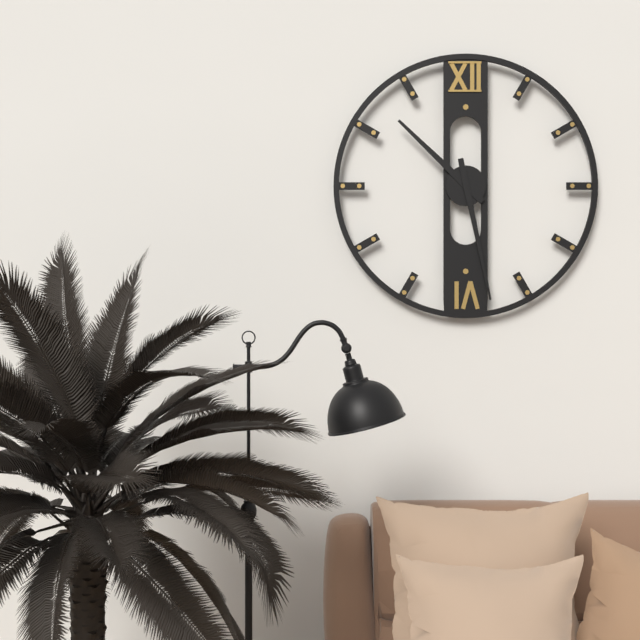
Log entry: 10:28
